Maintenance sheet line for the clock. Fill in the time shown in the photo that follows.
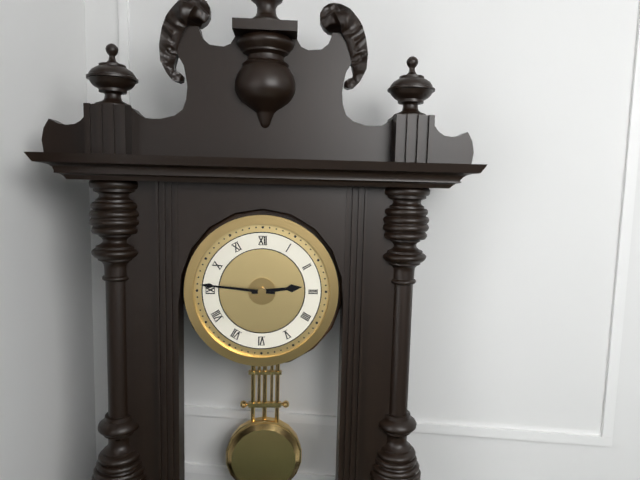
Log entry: 2:46
